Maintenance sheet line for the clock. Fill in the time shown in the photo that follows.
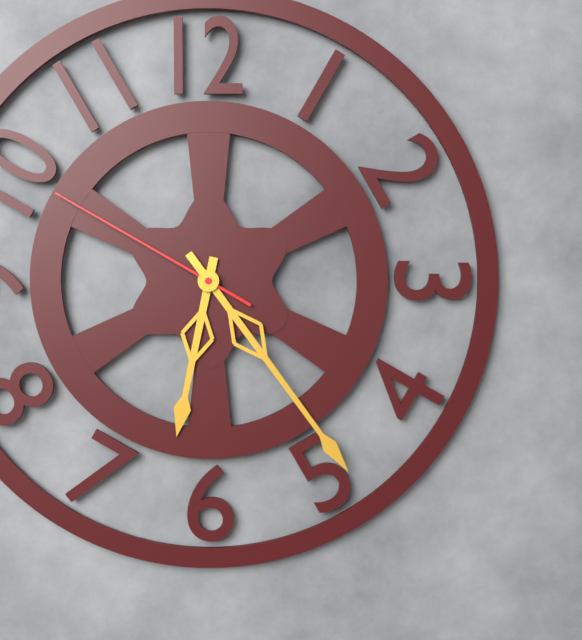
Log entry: 6:24:50
